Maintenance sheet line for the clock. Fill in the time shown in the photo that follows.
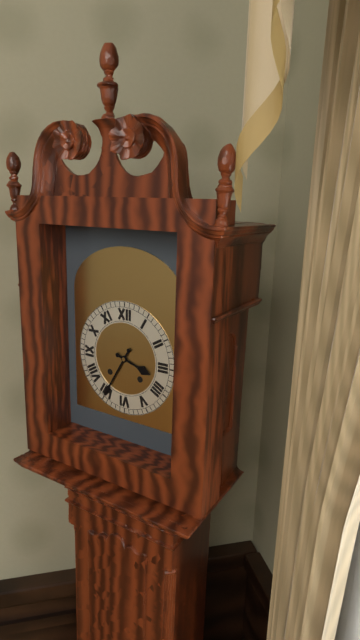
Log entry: 3:35
